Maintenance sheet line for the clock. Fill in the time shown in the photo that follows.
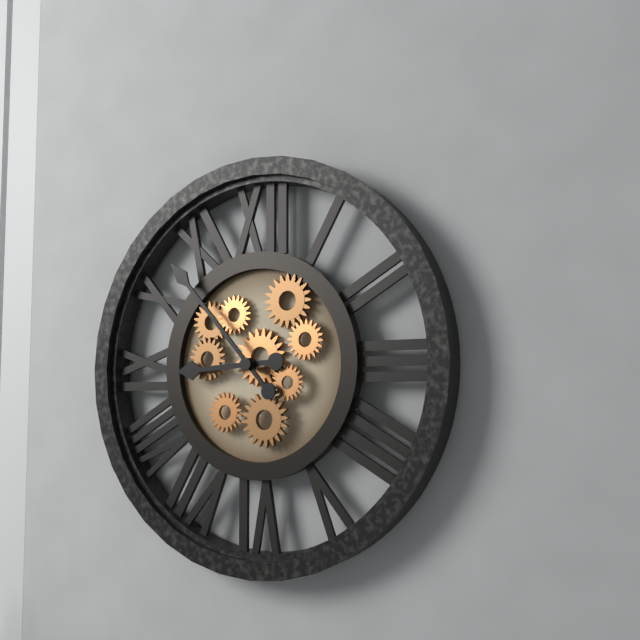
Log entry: 8:53
